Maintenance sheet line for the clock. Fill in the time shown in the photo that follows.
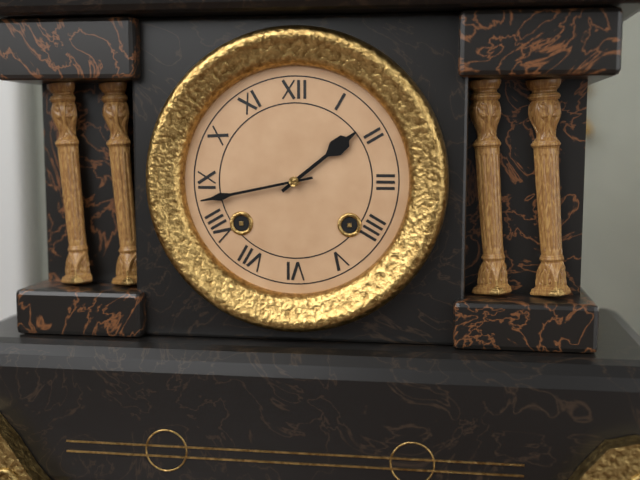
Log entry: 1:43
